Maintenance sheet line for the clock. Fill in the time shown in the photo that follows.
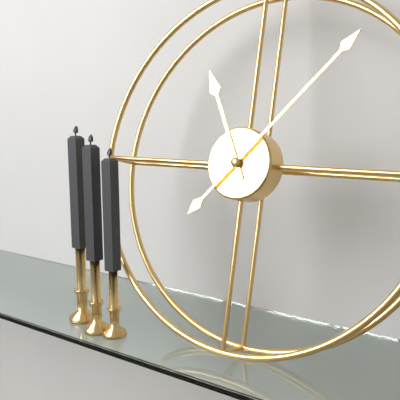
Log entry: 11:07
